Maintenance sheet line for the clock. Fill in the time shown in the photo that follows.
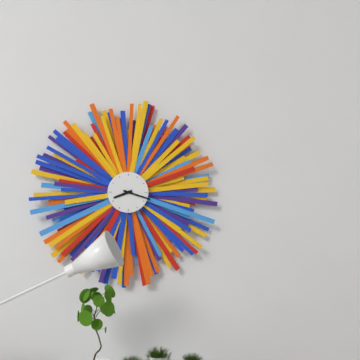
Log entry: 8:18
